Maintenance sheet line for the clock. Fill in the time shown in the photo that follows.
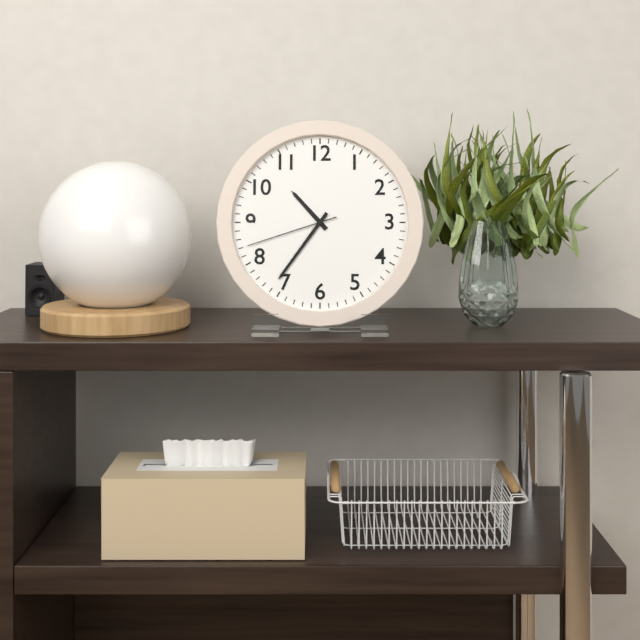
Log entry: 10:36:42
